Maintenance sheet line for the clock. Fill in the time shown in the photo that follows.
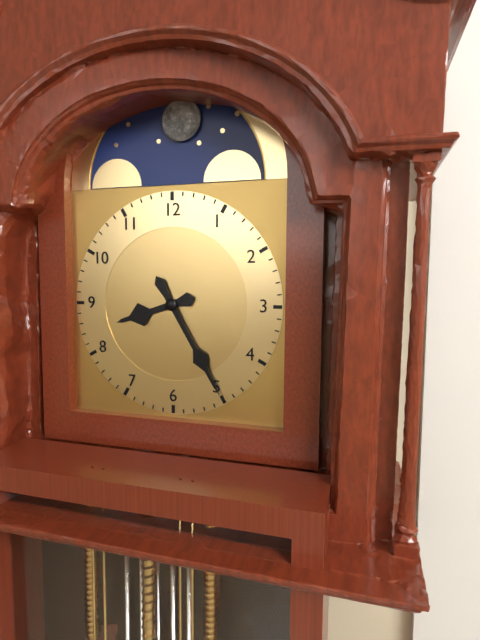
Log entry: 8:25
